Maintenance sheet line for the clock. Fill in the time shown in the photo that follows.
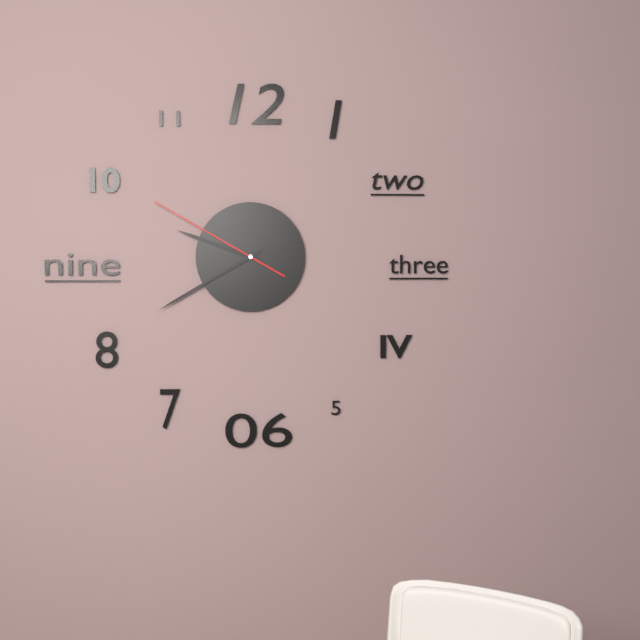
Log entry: 9:40:50
